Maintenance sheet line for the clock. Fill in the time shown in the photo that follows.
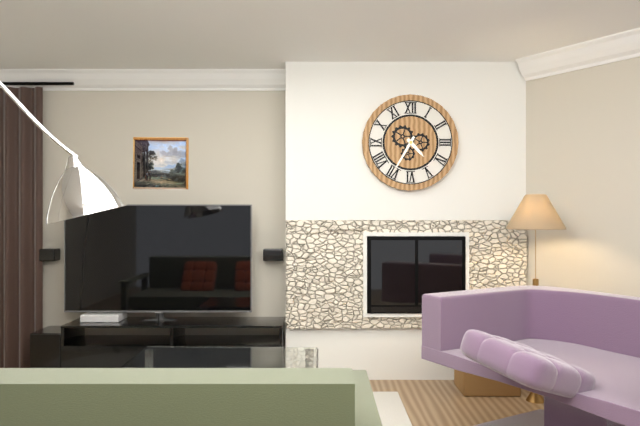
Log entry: 4:35
